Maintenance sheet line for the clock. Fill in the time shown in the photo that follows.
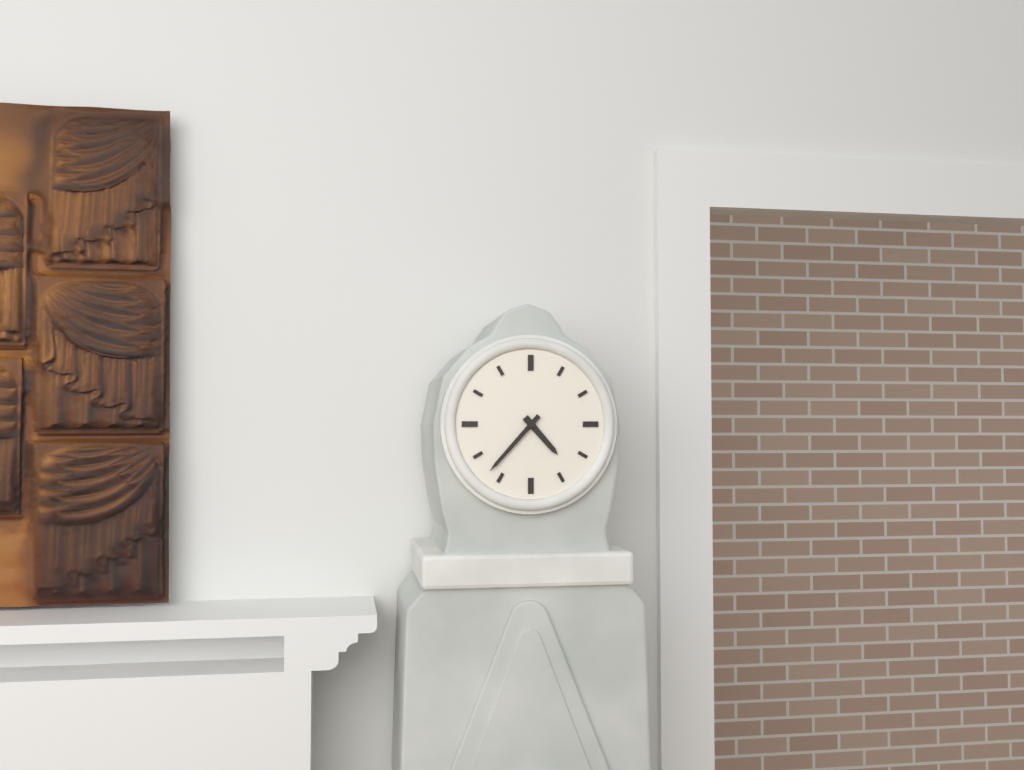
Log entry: 4:37
